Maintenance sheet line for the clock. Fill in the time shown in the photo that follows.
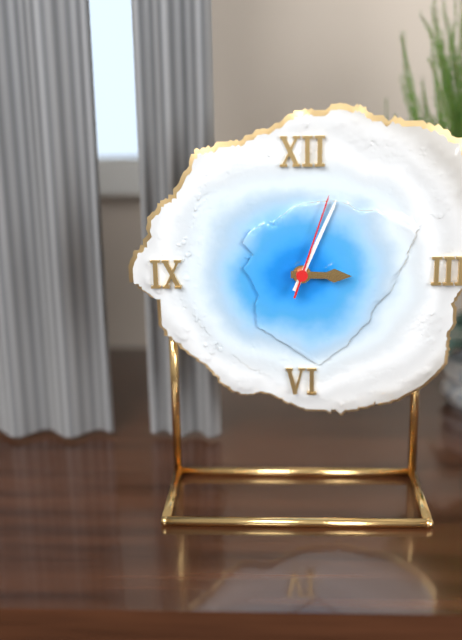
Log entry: 3:04:03
